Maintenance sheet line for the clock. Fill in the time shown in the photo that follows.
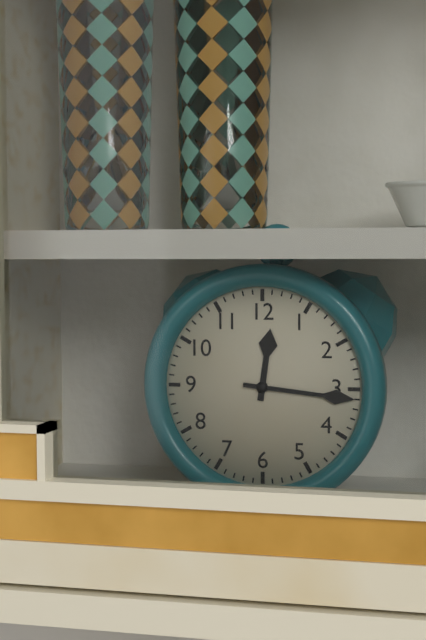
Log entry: 12:16
